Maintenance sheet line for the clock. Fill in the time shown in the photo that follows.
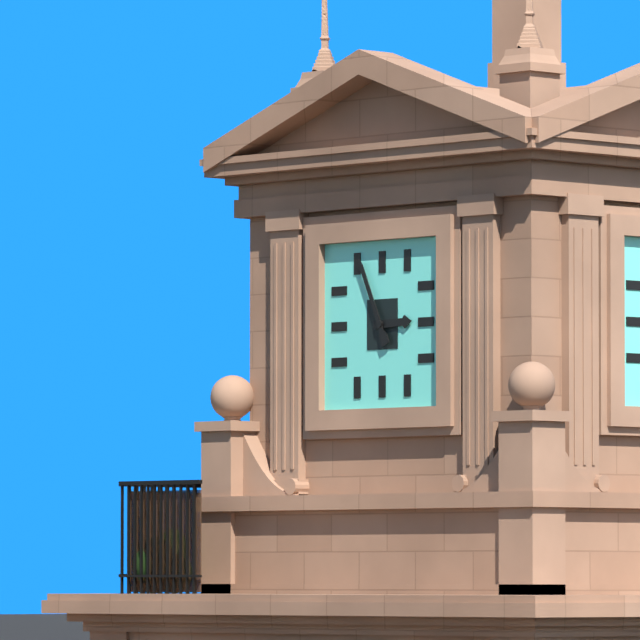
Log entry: 2:56
